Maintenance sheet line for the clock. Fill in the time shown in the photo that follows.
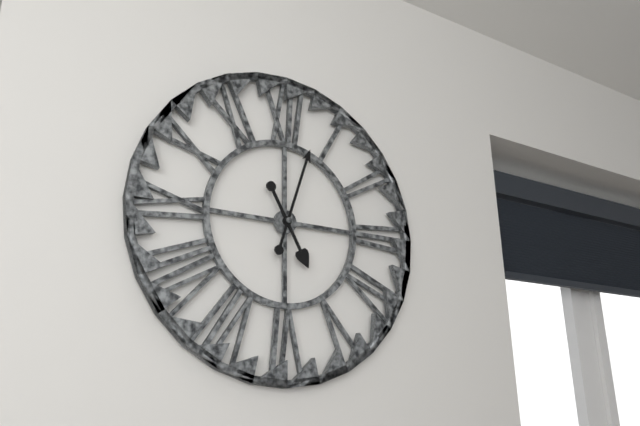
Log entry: 5:03
